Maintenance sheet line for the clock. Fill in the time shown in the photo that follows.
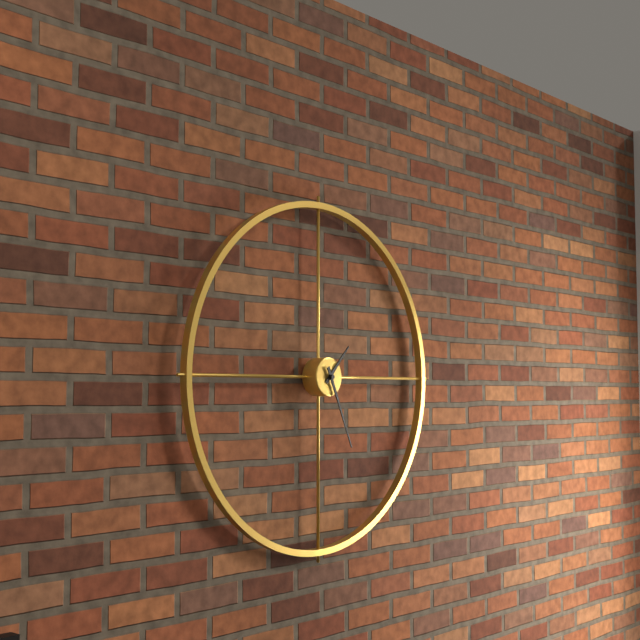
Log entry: 1:26
